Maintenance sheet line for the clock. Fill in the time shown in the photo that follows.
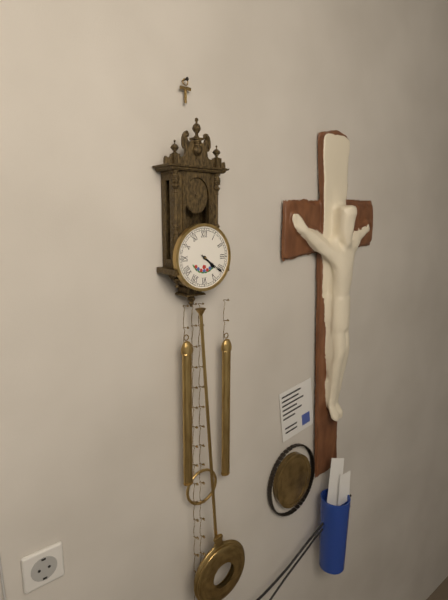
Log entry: 4:21
